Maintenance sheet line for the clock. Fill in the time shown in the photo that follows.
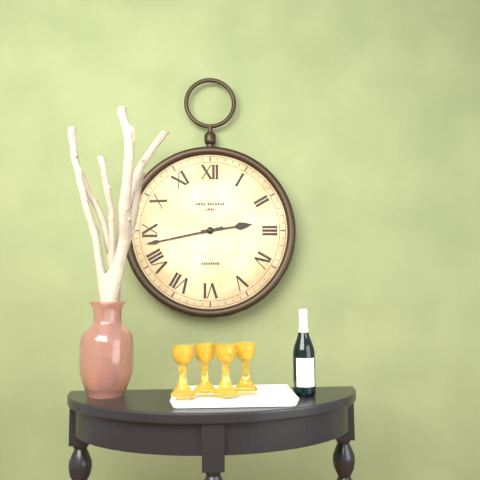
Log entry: 2:43
